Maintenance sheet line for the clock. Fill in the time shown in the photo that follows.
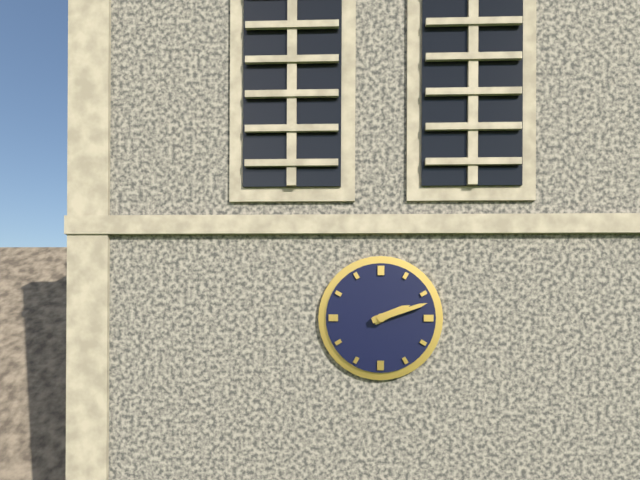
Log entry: 2:12
